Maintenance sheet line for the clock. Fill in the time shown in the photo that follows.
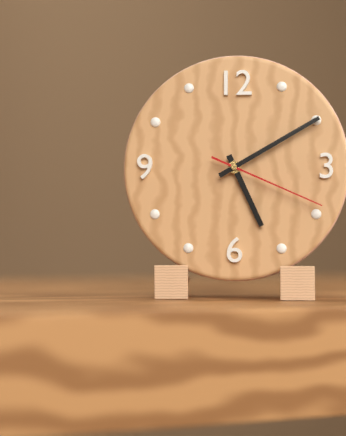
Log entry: 5:10:19
